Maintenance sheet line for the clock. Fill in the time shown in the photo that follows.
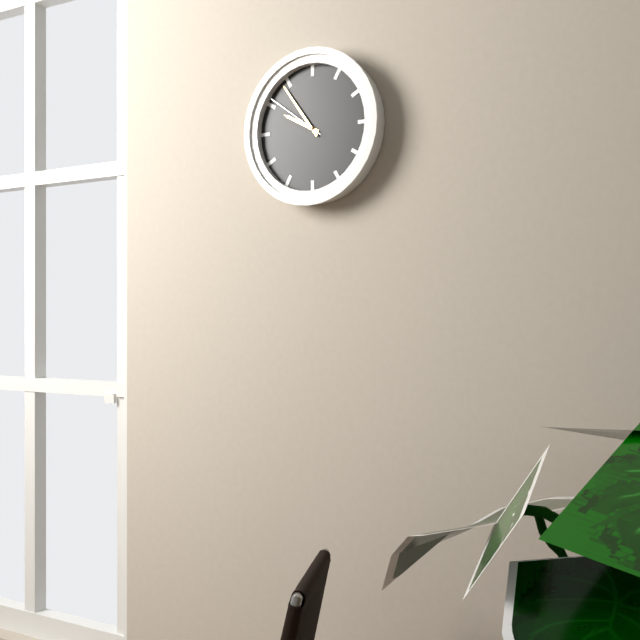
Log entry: 9:54:51
